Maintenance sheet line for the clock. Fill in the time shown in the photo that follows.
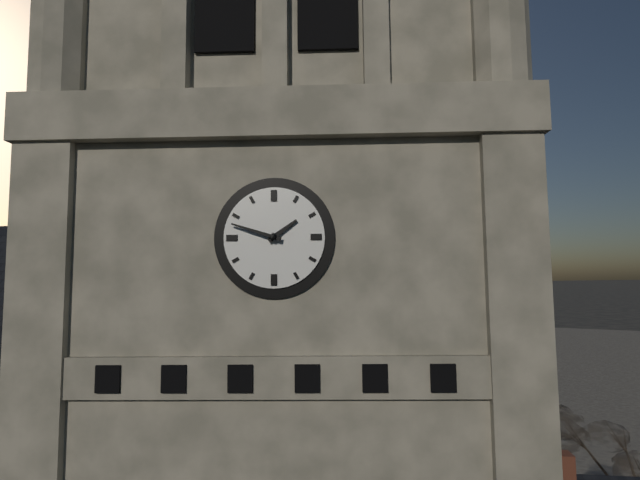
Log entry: 1:48
